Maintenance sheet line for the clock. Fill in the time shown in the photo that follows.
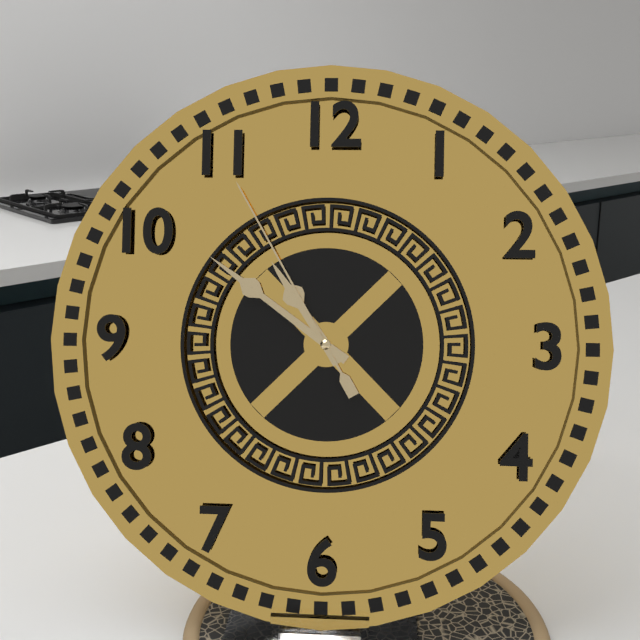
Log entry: 10:51:55
